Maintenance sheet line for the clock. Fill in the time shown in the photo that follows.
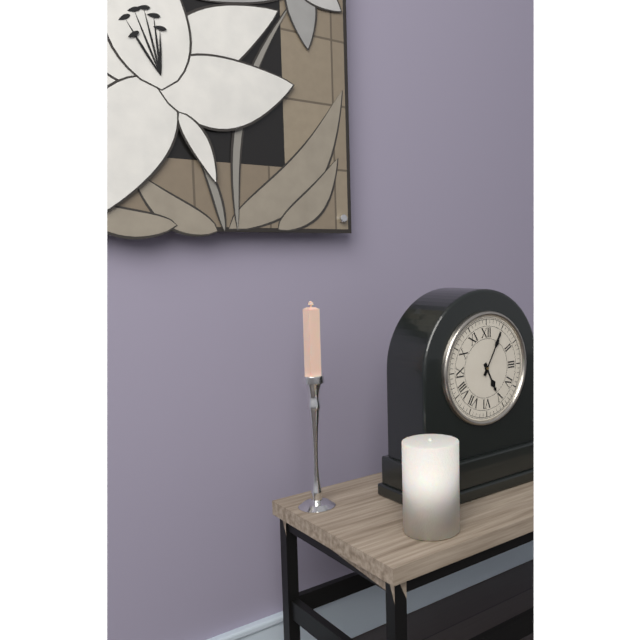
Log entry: 5:05
